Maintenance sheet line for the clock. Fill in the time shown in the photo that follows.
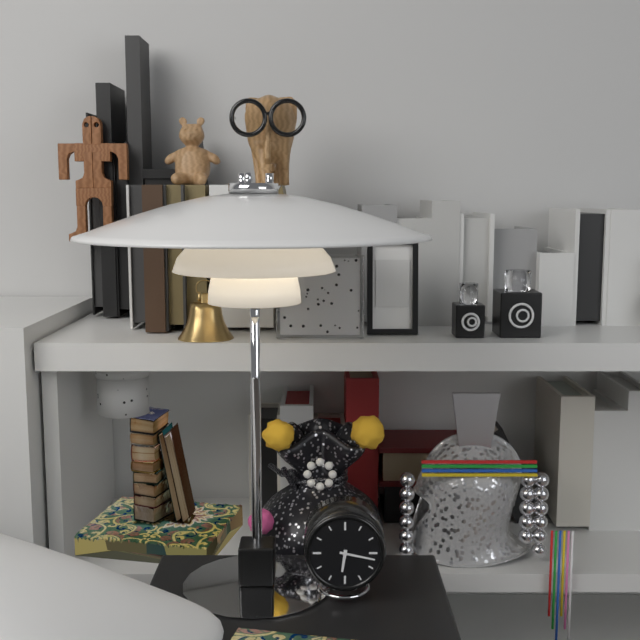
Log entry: 6:17
